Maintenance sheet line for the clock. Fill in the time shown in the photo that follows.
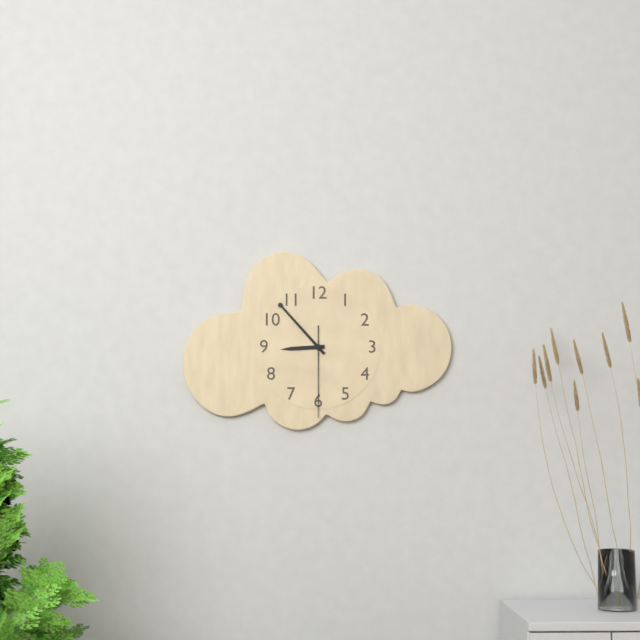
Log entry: 8:53:30
